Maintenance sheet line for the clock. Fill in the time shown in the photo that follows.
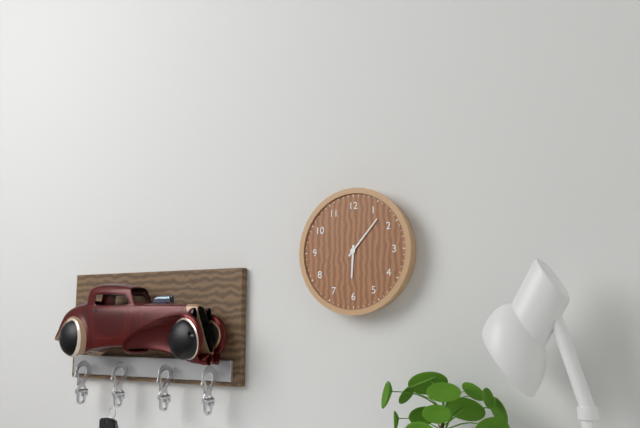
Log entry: 6:07
